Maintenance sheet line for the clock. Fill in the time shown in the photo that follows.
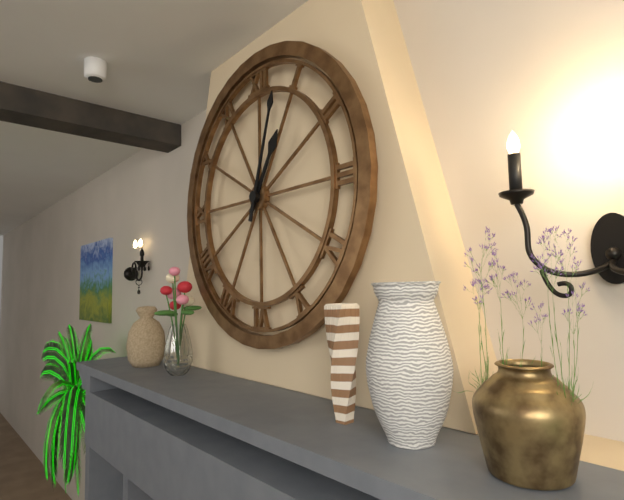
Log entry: 1:03
